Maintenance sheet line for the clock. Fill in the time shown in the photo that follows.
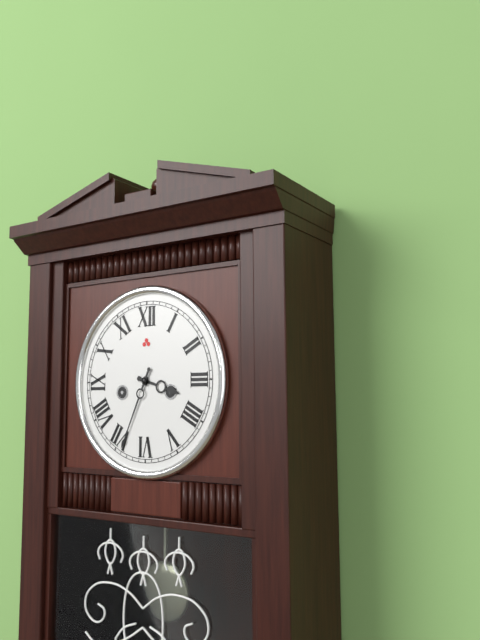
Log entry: 3:34
